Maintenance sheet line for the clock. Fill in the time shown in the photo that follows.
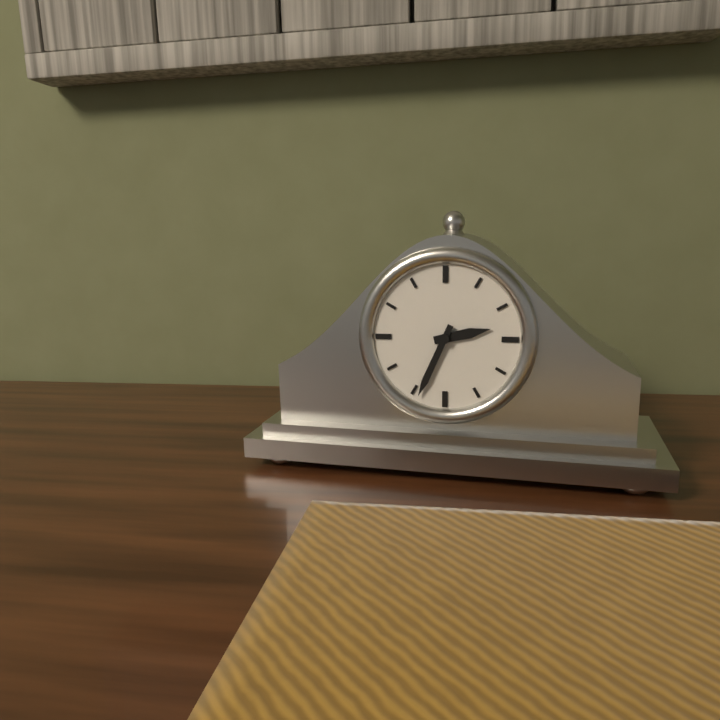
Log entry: 2:34
